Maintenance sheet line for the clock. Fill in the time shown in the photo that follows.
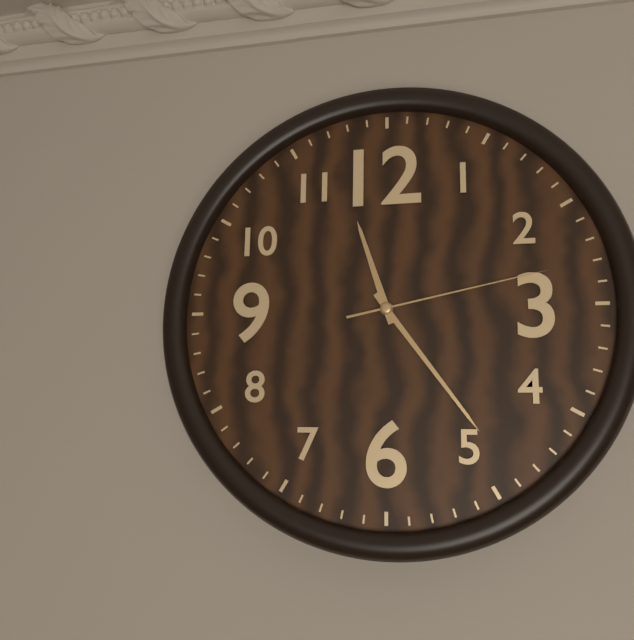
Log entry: 11:24:13
